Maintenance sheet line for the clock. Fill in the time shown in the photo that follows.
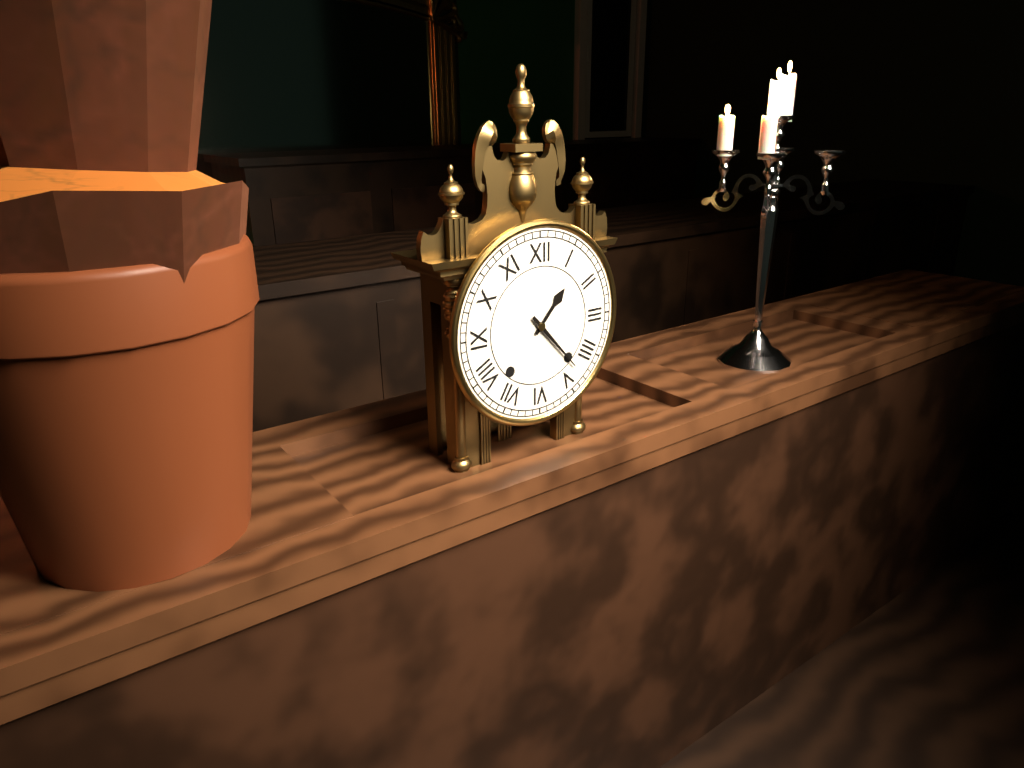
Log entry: 1:23
